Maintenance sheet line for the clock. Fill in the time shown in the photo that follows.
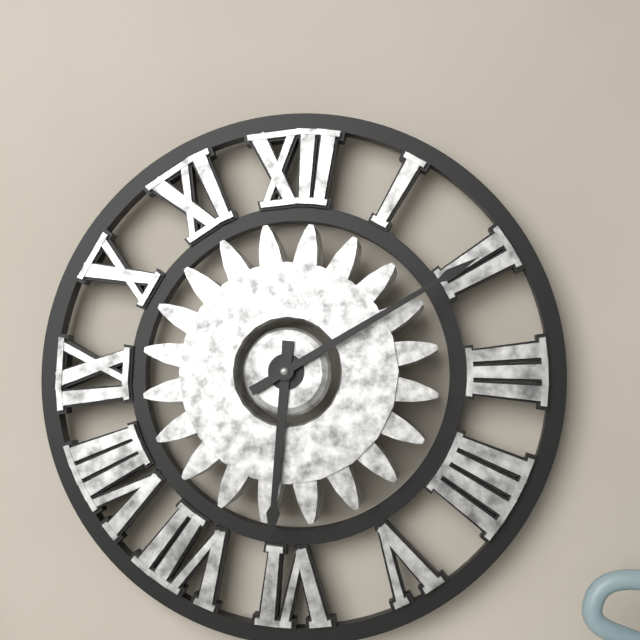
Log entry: 6:10
